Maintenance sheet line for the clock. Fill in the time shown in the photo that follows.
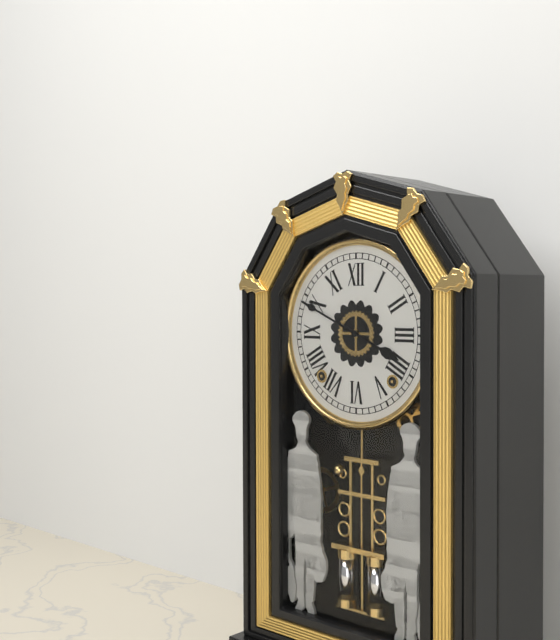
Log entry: 3:49
